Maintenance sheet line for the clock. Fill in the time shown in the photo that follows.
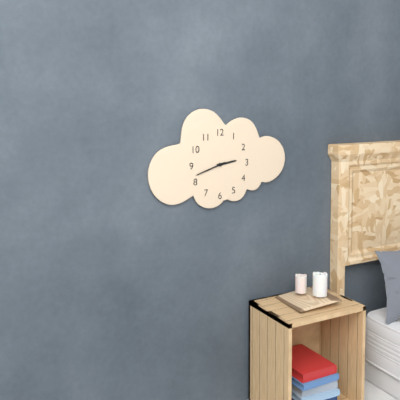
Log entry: 2:42
